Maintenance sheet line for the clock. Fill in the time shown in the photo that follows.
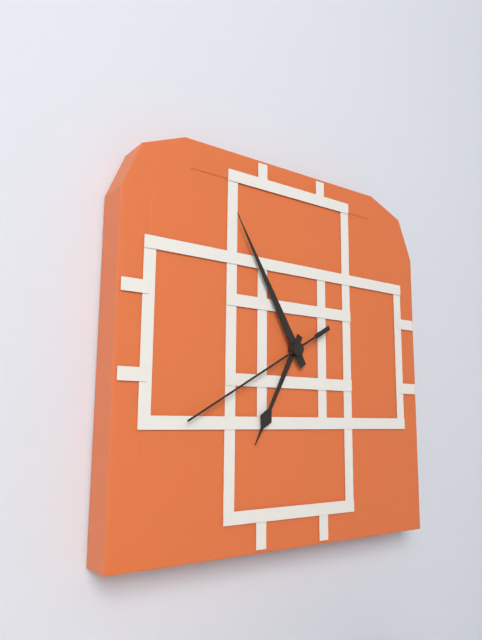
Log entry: 6:55:40
